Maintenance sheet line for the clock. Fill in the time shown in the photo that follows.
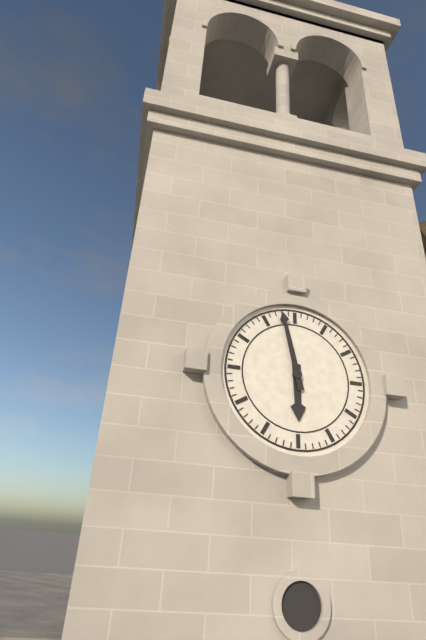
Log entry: 5:58
